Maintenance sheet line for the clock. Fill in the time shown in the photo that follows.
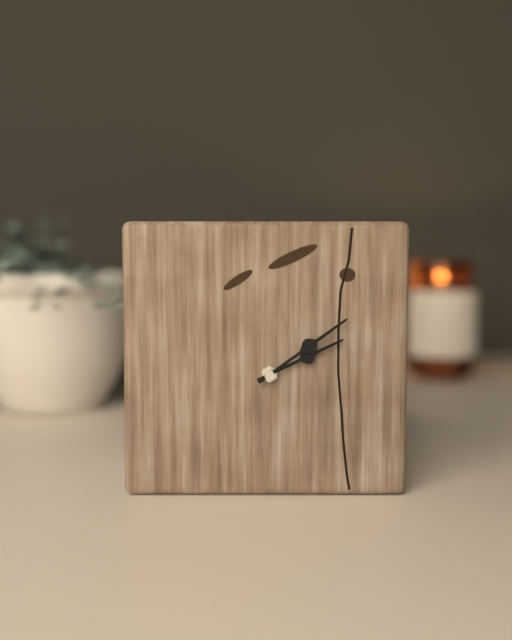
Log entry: 2:09
